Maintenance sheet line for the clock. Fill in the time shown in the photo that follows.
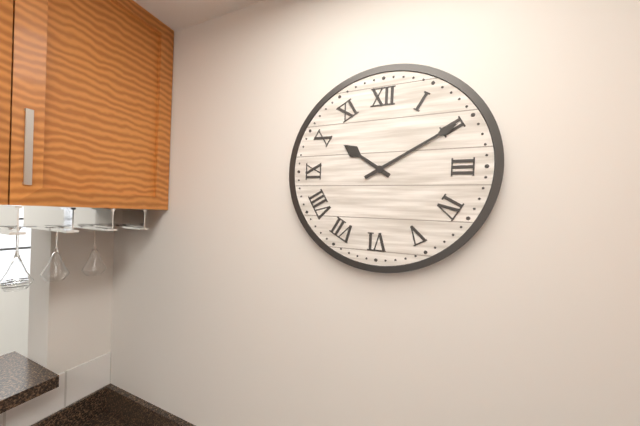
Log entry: 10:10
